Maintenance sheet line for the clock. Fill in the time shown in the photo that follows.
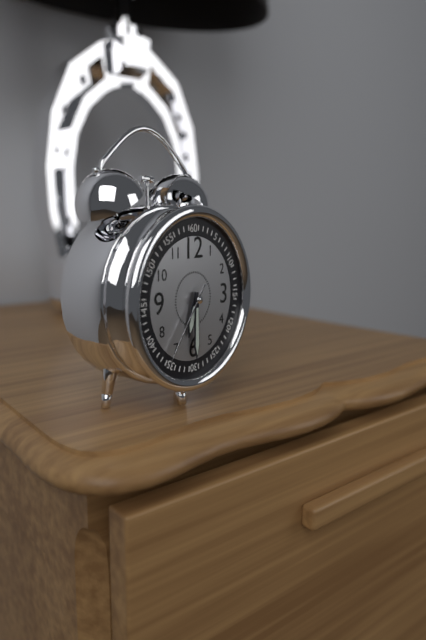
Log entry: 6:30:36
